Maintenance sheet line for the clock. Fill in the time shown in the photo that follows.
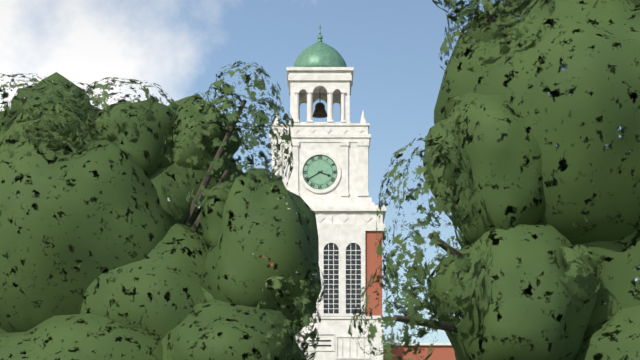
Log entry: 3:40
